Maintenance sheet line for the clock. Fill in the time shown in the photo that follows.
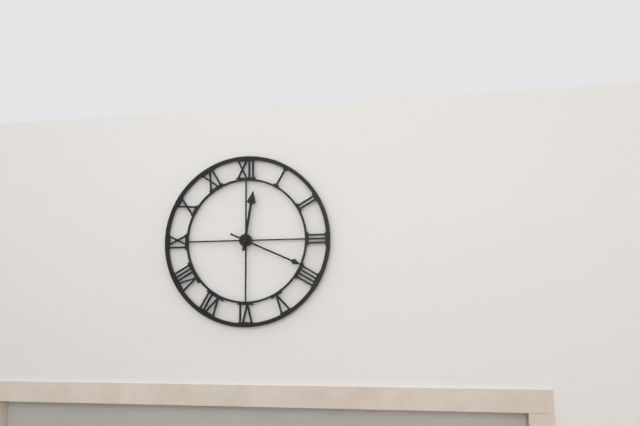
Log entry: 12:19
